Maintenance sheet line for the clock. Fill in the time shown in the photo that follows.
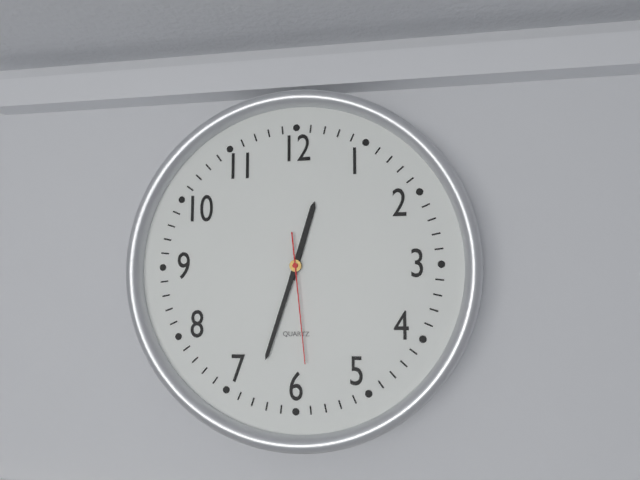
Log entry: 12:33:29
